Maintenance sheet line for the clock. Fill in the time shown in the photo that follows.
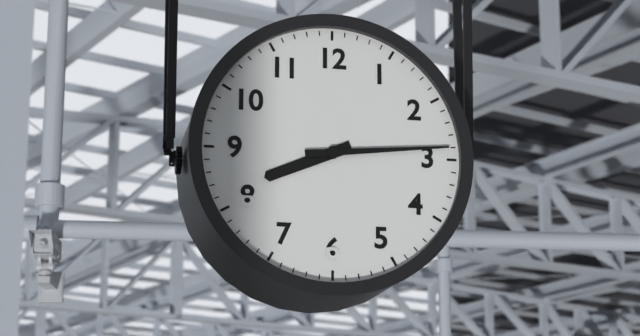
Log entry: 8:14
